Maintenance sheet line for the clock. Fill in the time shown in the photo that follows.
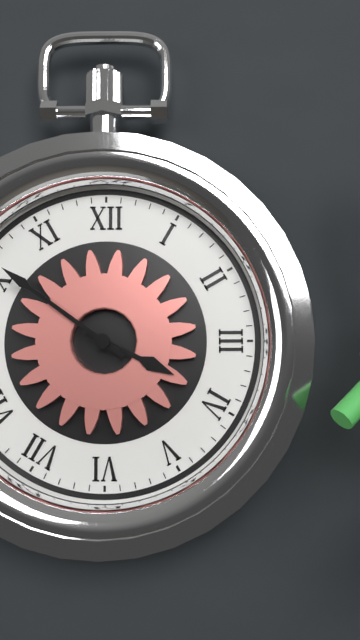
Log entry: 3:51
